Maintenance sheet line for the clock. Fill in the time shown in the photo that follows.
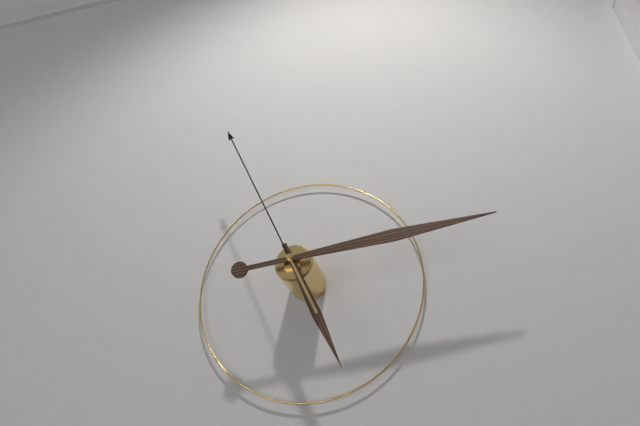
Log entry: 5:14:56
